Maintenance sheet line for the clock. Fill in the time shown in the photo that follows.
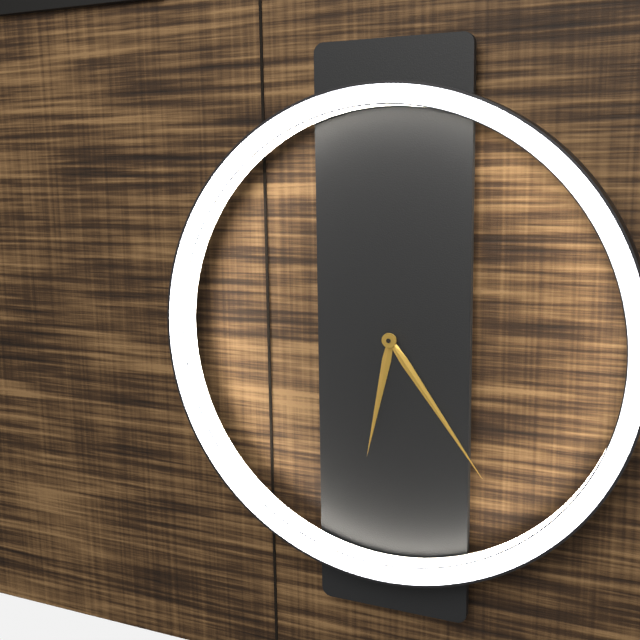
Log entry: 6:24
